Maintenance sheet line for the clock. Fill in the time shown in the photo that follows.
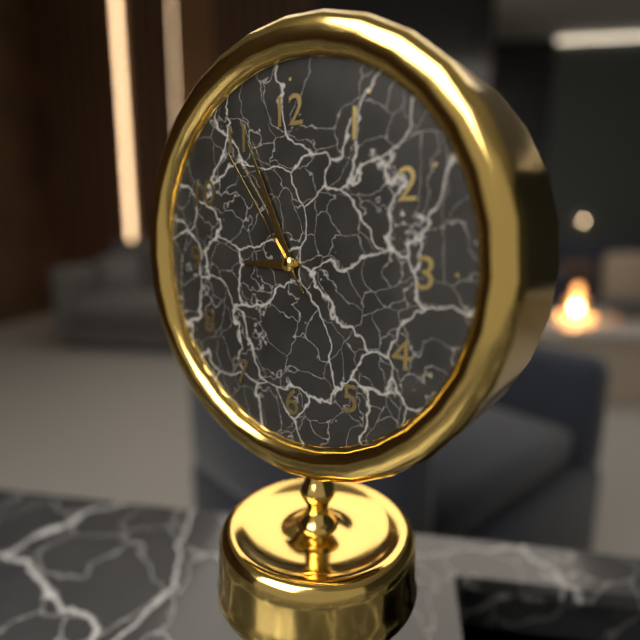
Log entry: 8:56:54
